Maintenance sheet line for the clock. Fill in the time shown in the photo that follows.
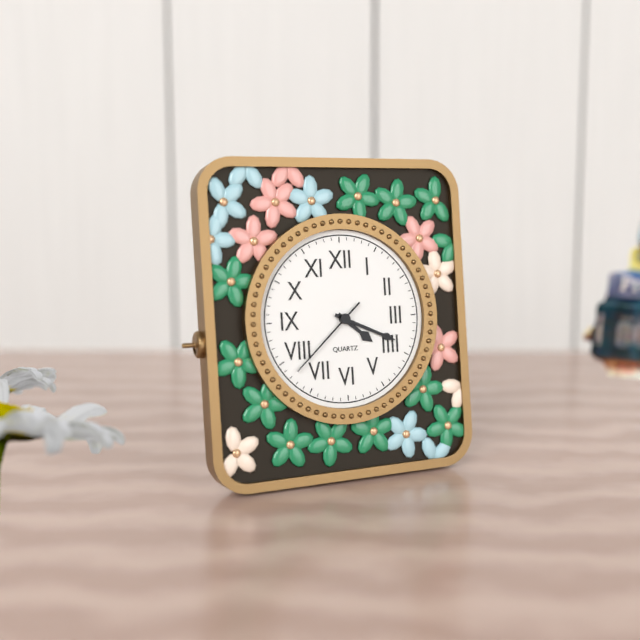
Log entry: 4:19:38
